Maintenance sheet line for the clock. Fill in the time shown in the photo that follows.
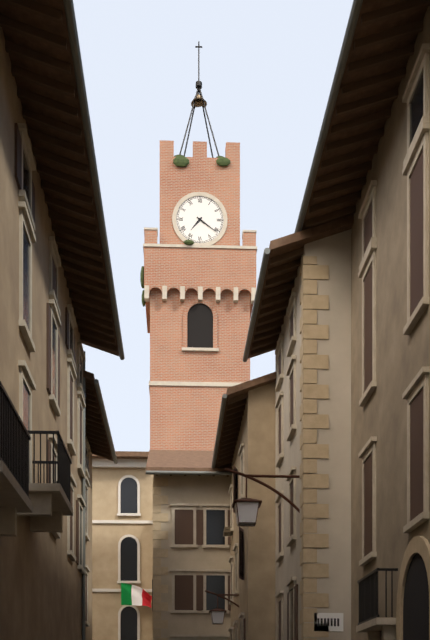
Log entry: 7:21
